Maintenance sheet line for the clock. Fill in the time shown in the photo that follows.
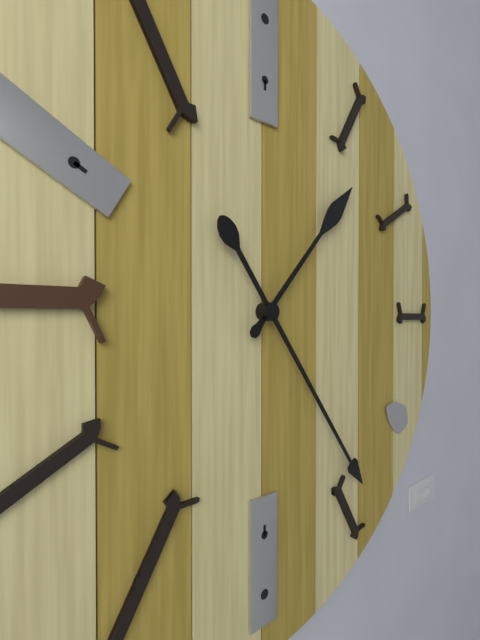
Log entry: 1:24
